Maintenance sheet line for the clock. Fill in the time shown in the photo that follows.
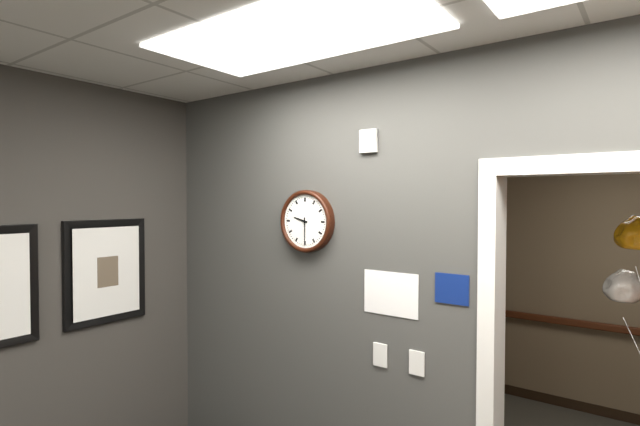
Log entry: 9:30
